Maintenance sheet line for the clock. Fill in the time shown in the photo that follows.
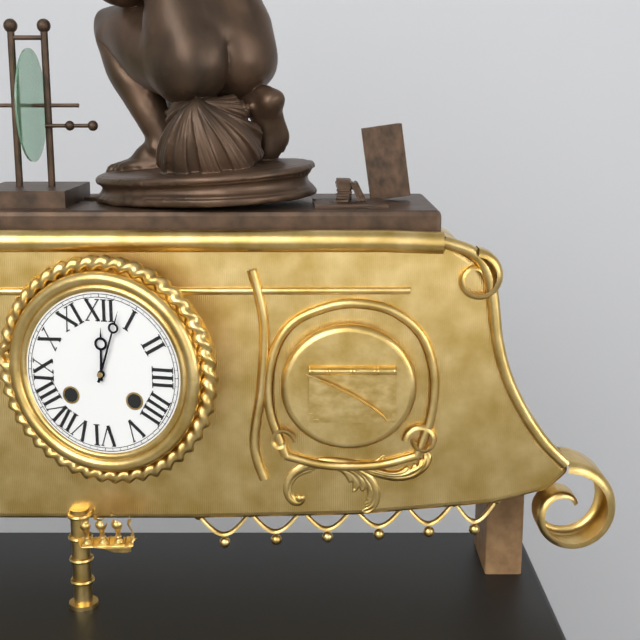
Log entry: 12:03
